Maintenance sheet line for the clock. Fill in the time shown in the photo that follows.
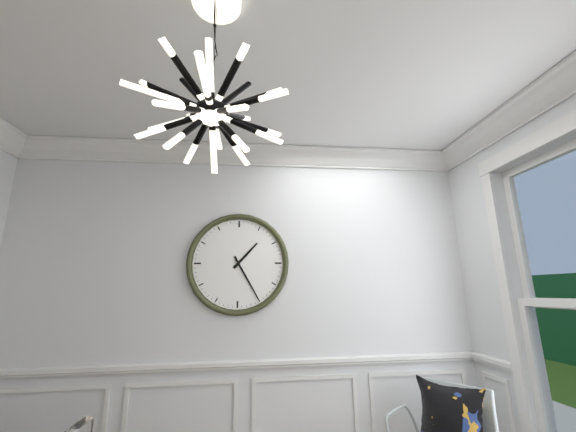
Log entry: 1:25
